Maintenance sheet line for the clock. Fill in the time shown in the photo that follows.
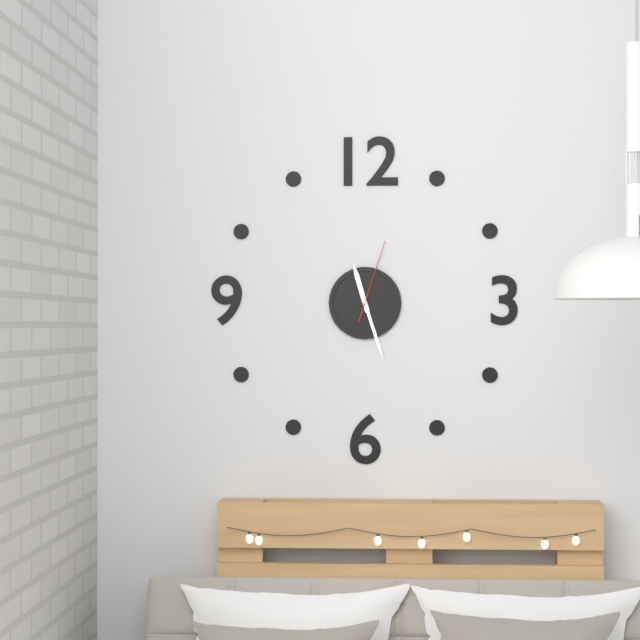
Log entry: 11:27:03
